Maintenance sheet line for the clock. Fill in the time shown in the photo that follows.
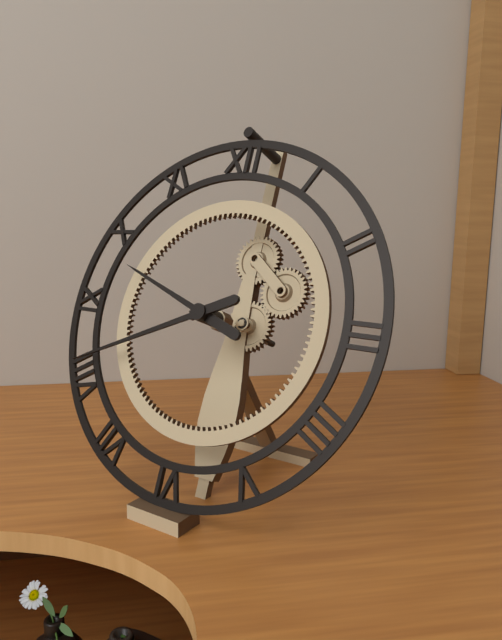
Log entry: 9:41
